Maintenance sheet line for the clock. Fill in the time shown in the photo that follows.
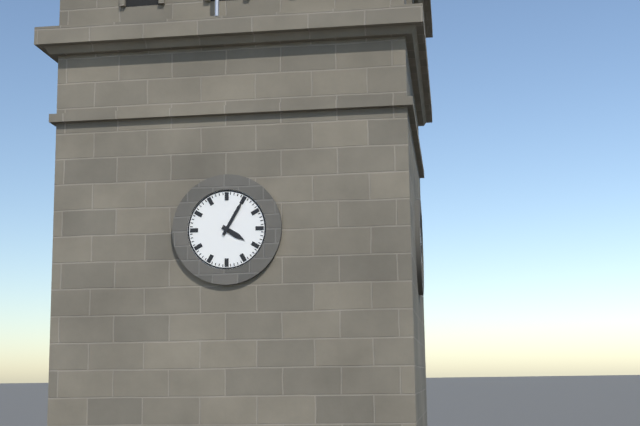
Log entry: 4:05
